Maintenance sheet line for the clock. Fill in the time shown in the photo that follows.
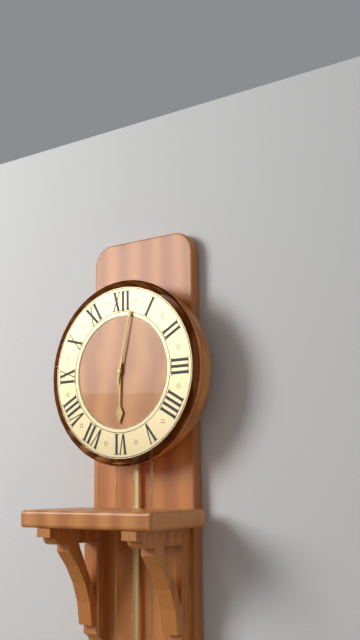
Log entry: 6:02
